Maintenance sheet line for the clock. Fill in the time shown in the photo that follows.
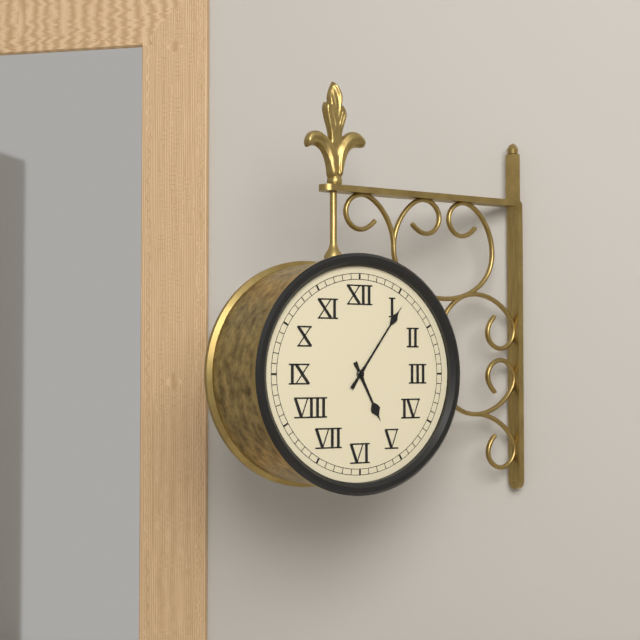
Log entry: 5:06
